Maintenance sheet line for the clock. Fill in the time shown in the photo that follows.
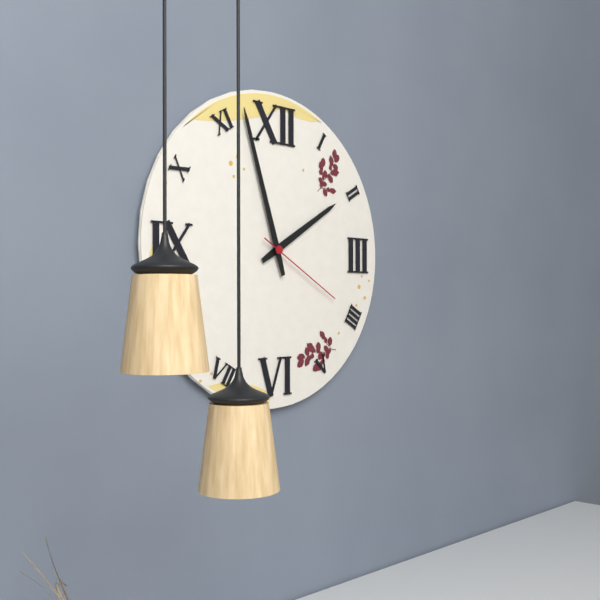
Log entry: 1:57:20
